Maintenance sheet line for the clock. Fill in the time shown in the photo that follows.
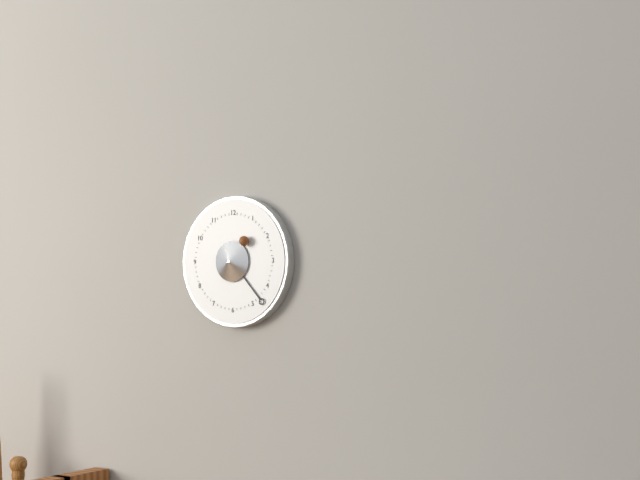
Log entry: 1:23
